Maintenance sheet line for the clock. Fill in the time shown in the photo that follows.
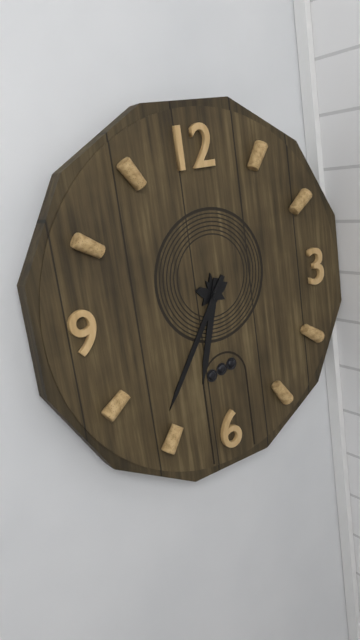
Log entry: 6:36
